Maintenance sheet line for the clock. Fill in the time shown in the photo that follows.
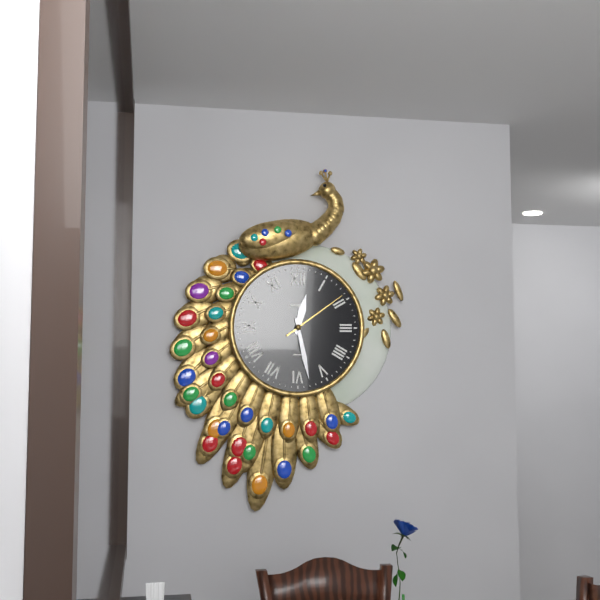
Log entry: 12:28:09
